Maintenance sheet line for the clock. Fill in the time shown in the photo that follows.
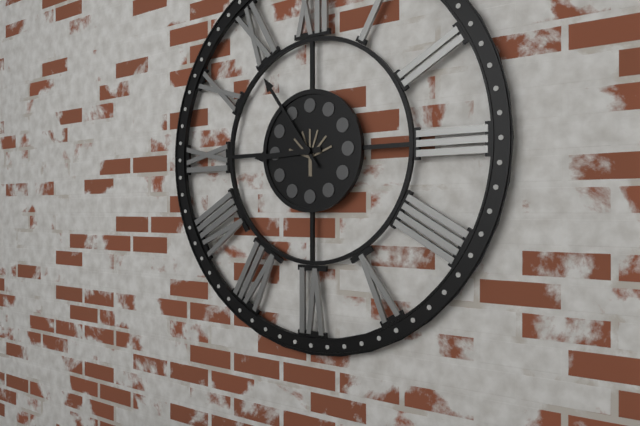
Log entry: 8:54
